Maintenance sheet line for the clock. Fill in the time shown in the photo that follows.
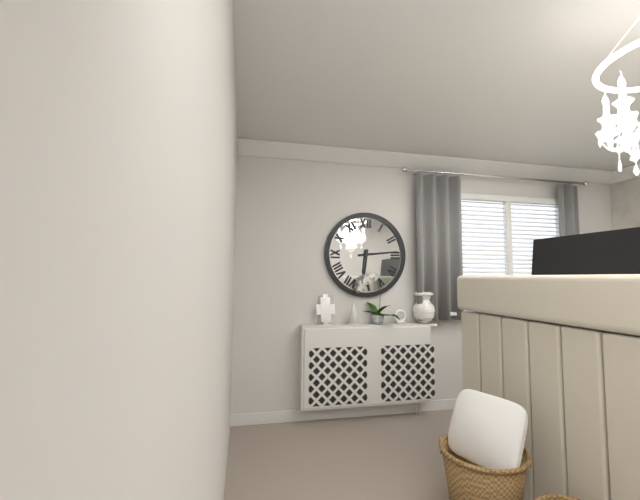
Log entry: 6:14
